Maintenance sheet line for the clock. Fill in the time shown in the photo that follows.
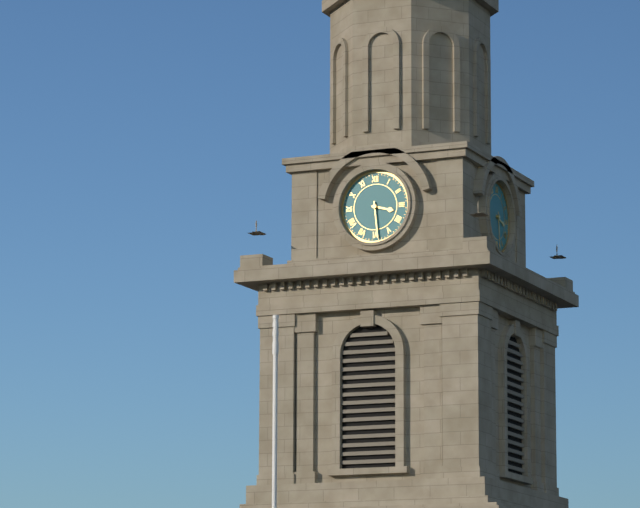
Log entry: 3:29
